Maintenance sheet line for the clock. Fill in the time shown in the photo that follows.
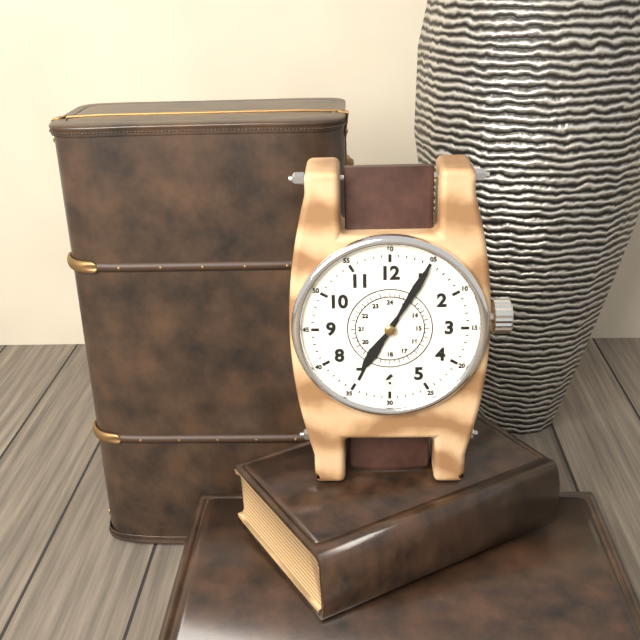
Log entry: 7:05
